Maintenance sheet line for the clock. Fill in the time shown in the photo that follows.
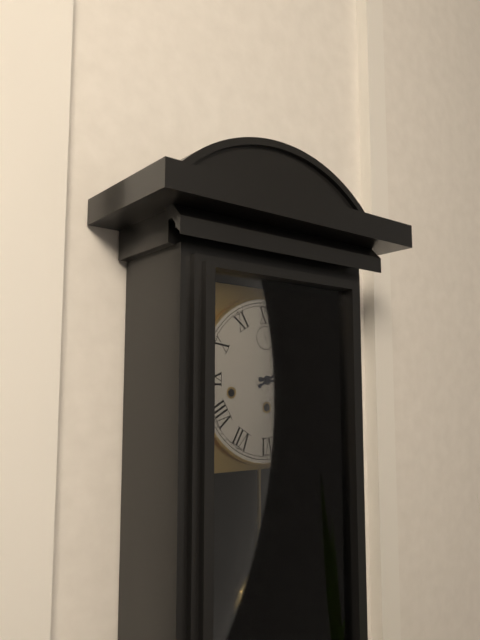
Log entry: 3:10
